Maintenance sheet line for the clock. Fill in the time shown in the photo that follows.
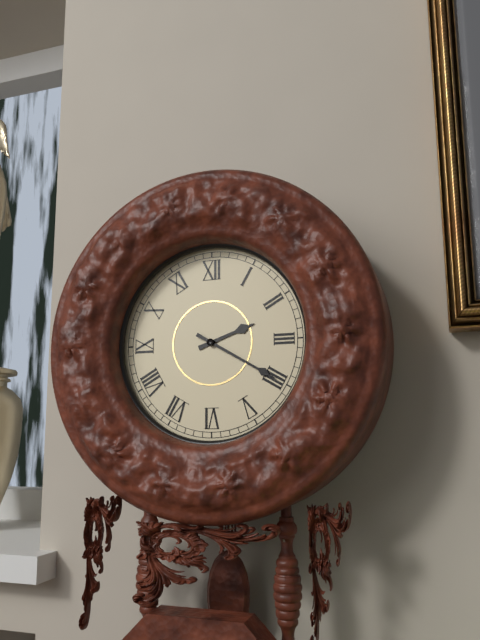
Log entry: 2:20
